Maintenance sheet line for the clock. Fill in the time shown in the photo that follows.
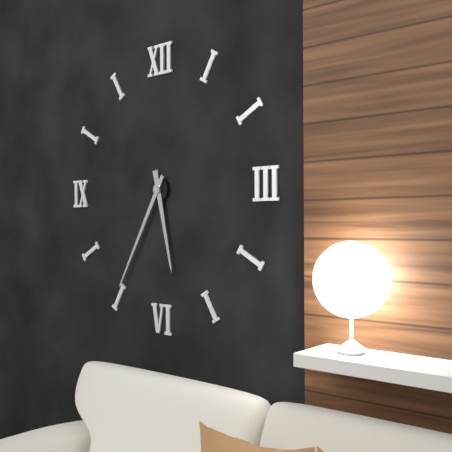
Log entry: 5:35
